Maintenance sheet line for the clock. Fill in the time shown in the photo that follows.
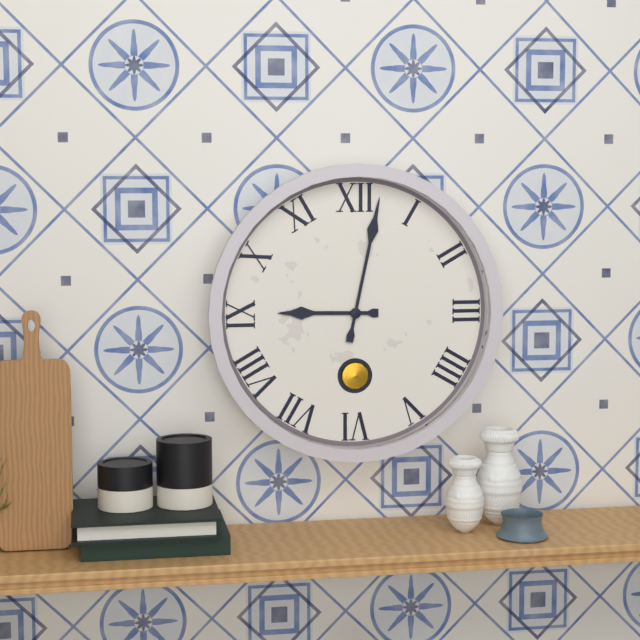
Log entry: 9:02
